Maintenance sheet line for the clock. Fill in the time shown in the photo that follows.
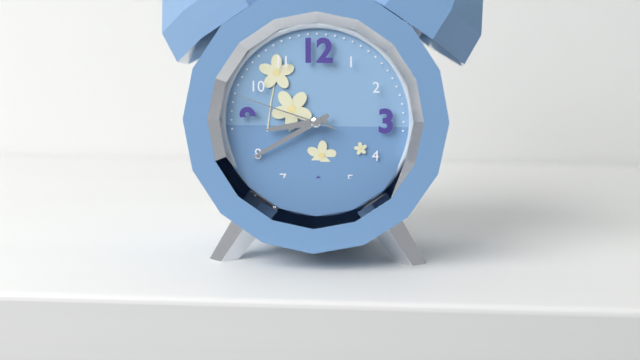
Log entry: 8:40:48
